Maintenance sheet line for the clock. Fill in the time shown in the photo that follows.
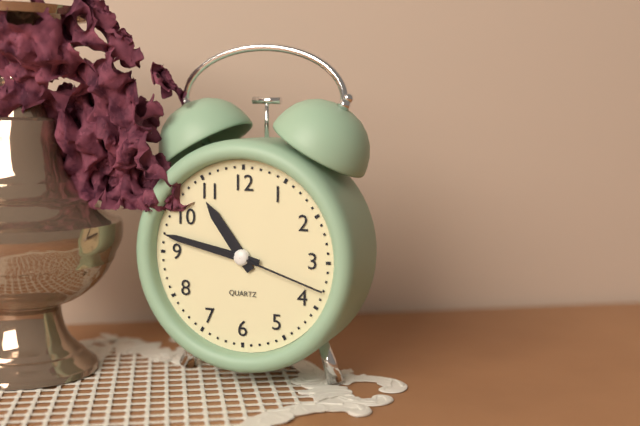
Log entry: 10:47:18
